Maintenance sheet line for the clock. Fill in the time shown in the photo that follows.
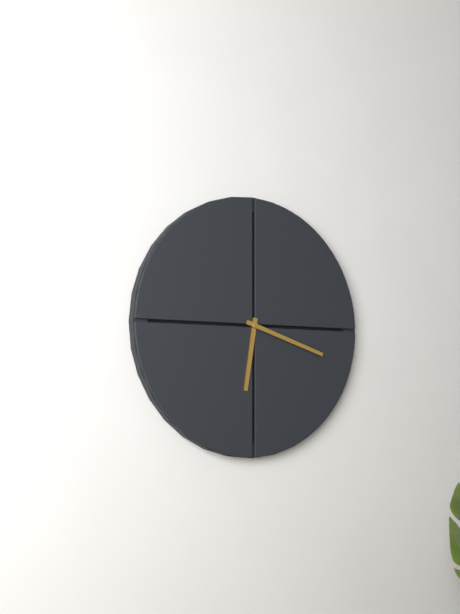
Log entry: 6:18
